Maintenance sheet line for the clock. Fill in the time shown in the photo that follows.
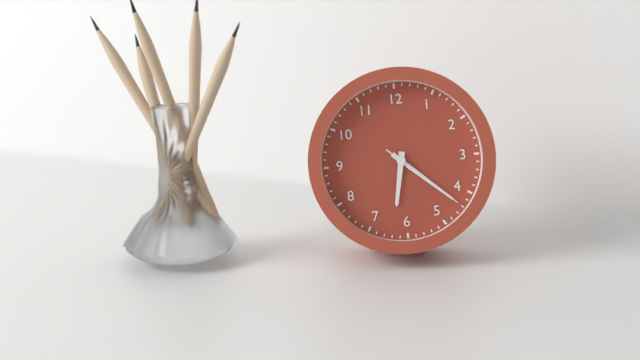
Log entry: 6:22:22
